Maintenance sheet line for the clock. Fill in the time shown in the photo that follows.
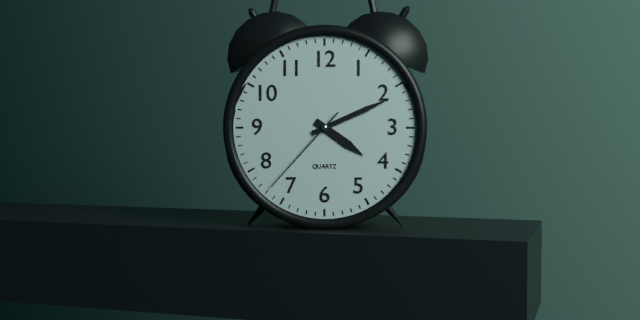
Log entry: 4:11:37
